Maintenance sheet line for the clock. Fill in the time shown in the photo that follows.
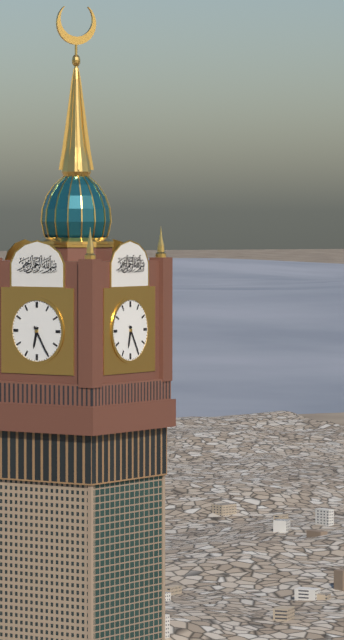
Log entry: 6:25
